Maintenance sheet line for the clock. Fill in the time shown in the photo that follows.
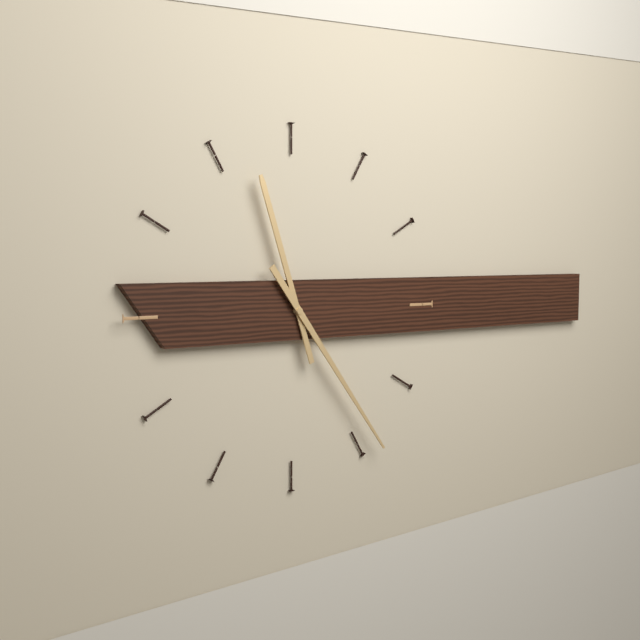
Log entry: 11:24
